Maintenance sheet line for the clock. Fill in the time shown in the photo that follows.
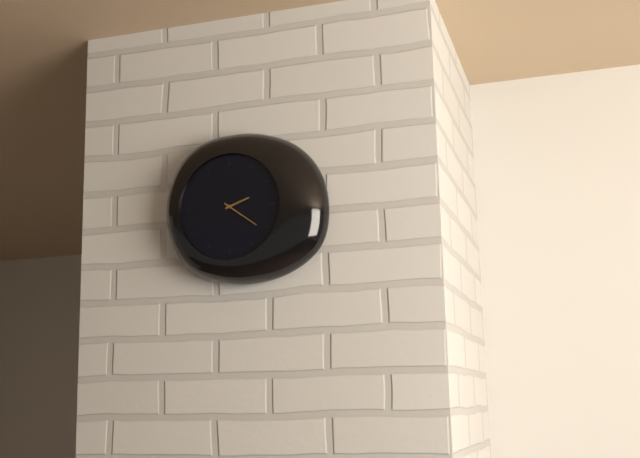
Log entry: 2:21
